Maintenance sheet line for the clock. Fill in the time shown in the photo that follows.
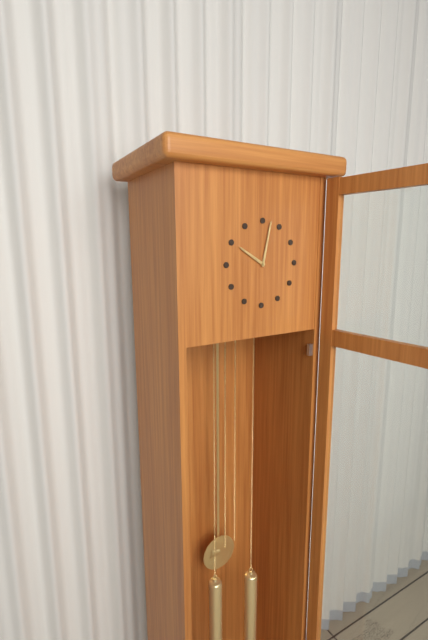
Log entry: 10:02
